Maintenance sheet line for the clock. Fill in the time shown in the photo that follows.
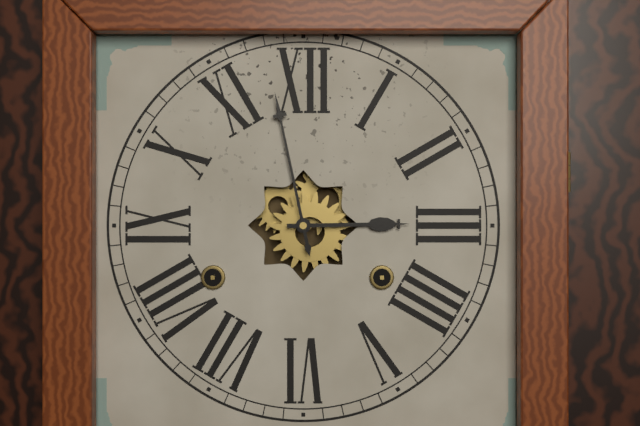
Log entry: 2:58
